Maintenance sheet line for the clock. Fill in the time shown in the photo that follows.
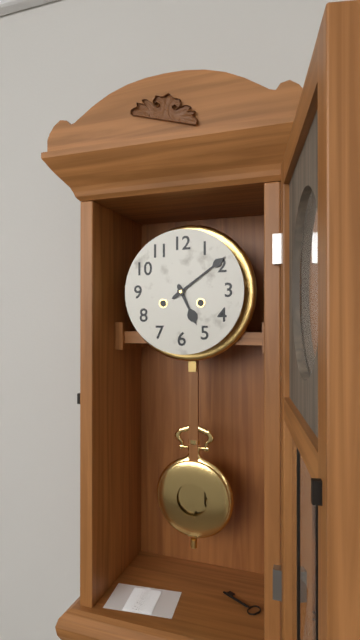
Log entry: 5:09
